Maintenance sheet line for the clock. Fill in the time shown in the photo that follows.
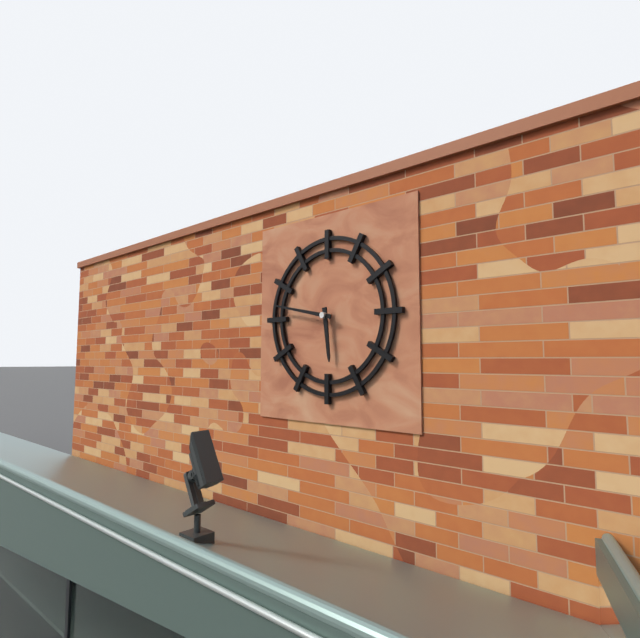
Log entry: 5:47
